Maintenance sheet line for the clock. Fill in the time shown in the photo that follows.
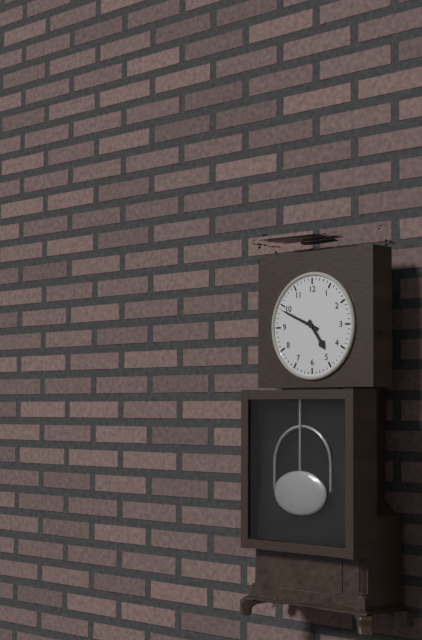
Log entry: 4:49
